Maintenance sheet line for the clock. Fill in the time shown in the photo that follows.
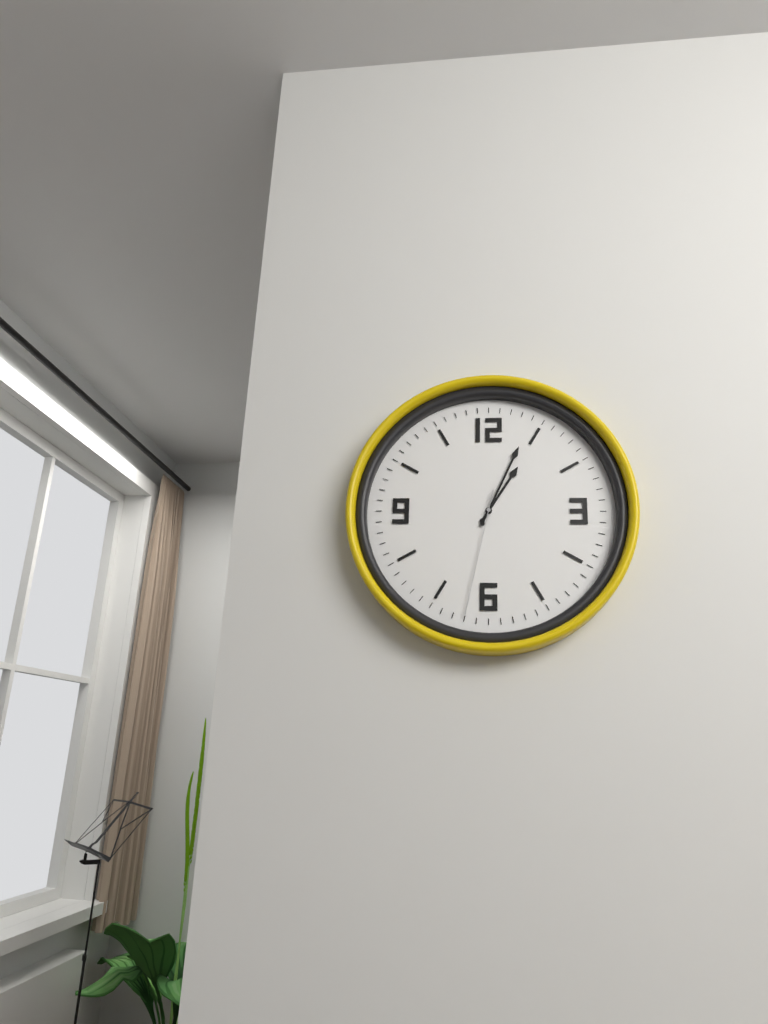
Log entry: 1:04:32
